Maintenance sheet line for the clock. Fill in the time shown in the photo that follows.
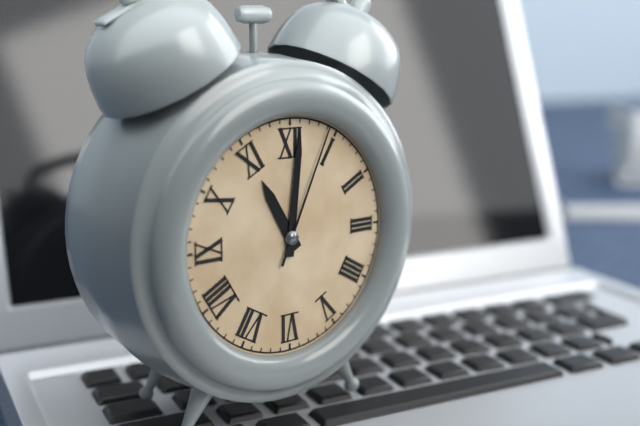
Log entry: 11:01:04
